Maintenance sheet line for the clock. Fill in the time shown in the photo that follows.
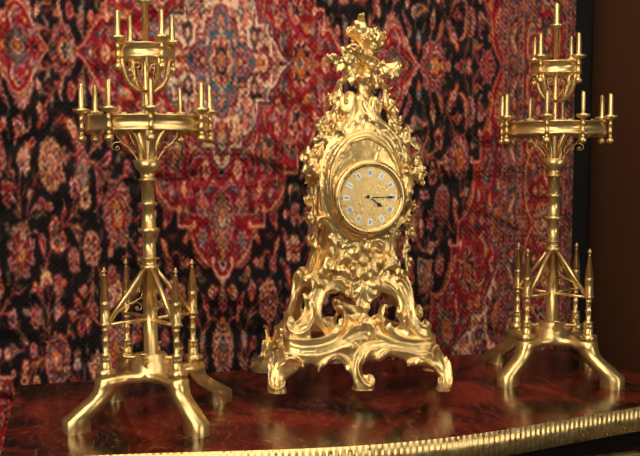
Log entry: 4:15
